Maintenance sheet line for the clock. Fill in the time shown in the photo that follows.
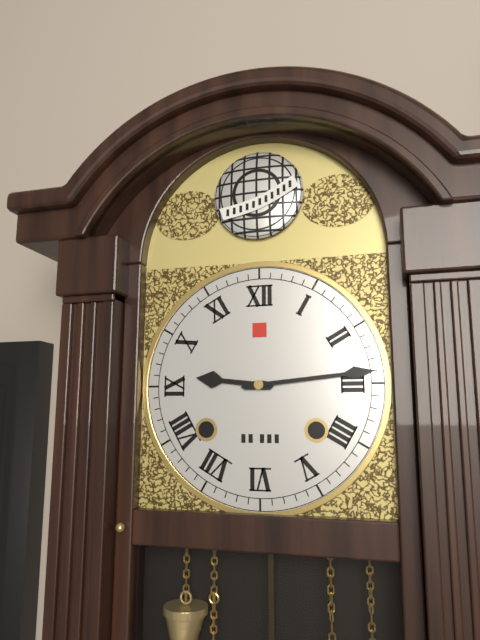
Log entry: 9:14
